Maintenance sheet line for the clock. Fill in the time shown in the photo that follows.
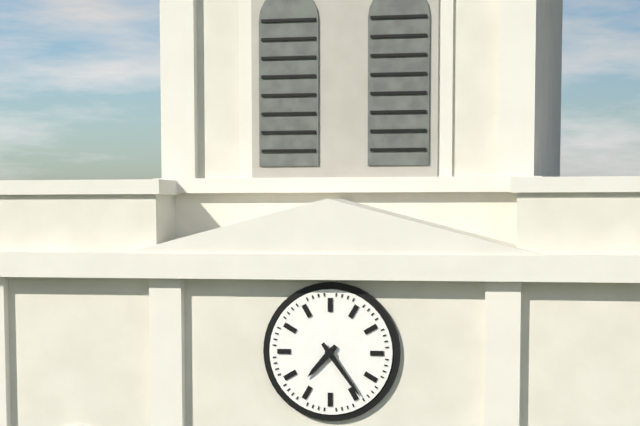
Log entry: 7:24
